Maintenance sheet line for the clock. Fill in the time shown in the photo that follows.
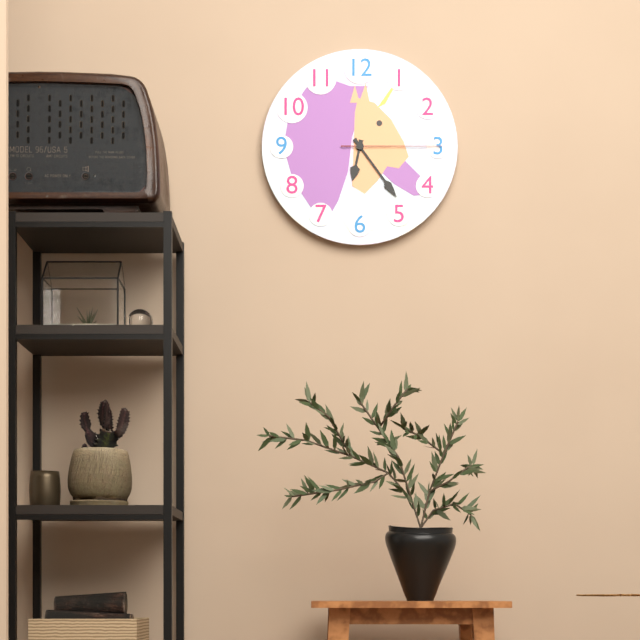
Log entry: 6:24:15
